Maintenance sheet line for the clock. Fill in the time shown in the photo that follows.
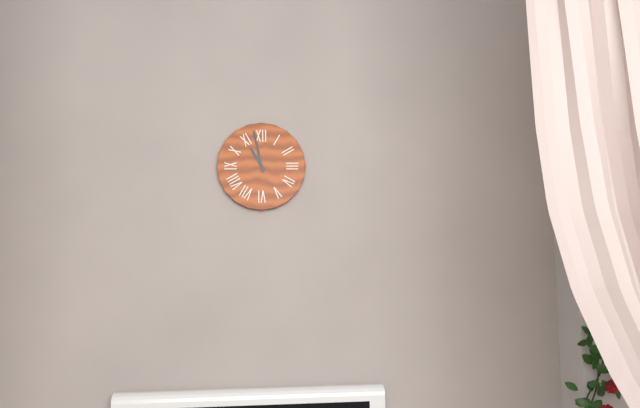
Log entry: 10:58
